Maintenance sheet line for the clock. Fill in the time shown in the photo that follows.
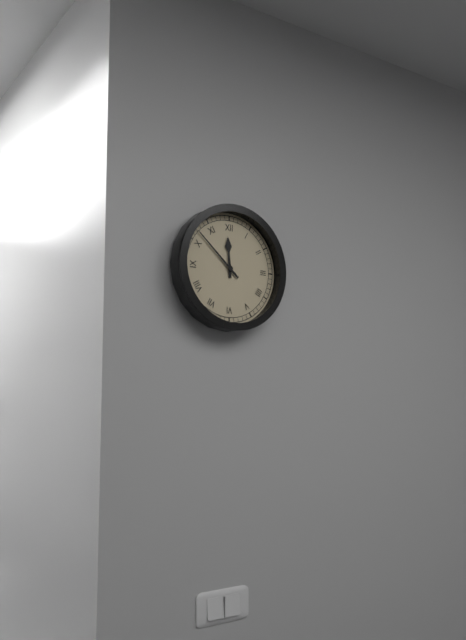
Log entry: 11:52
